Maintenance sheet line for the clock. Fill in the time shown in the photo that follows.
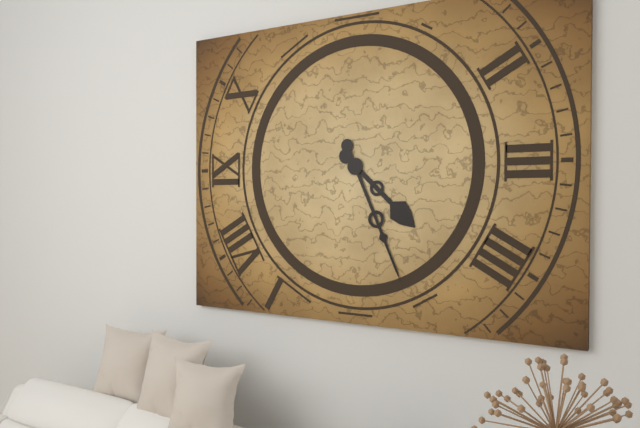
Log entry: 4:26
